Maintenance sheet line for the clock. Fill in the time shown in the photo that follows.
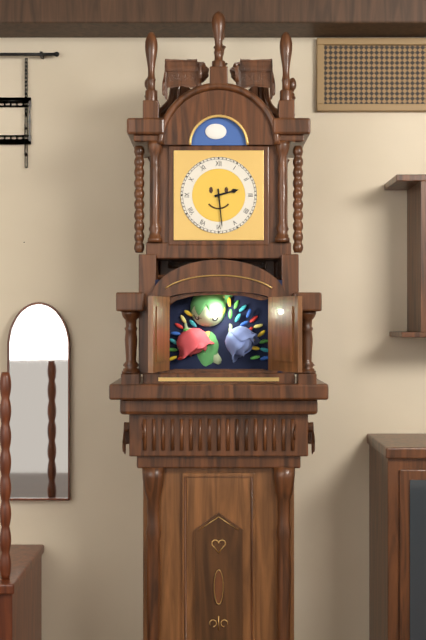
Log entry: 2:29
